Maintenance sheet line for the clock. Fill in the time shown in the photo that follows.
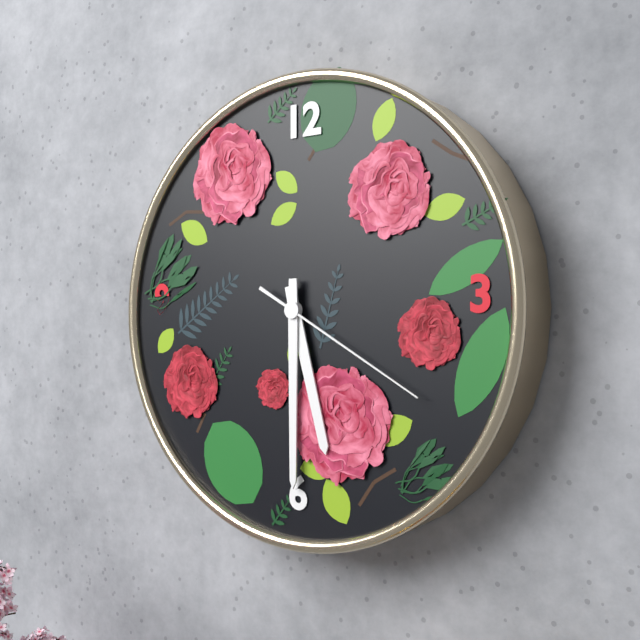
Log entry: 5:30:20
